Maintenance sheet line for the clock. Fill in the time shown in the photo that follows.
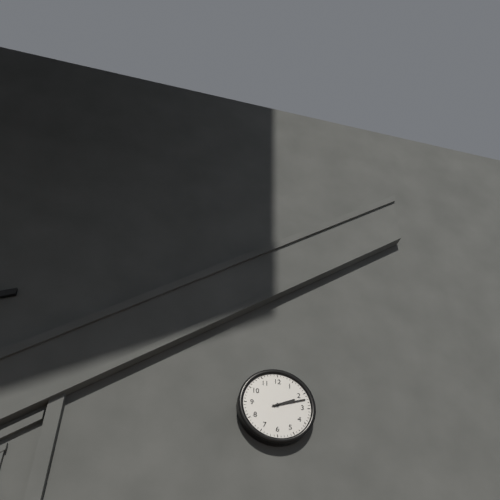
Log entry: 2:12
